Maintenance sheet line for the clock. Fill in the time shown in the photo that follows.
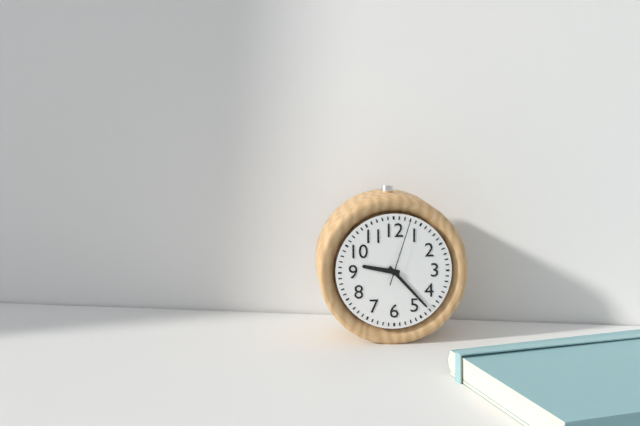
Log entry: 9:23:03
